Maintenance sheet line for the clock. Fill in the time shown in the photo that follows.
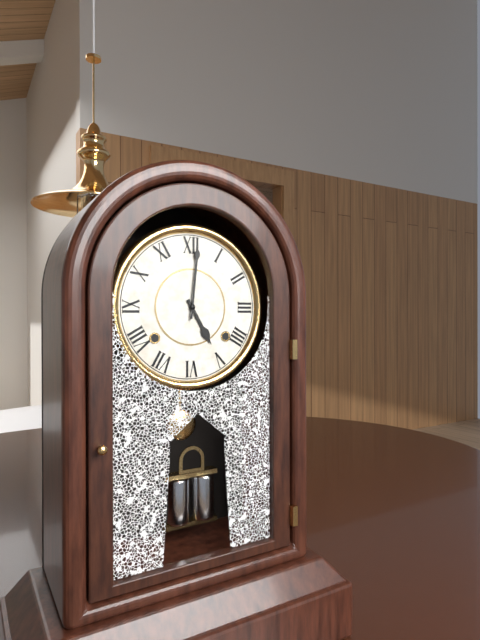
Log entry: 5:01
